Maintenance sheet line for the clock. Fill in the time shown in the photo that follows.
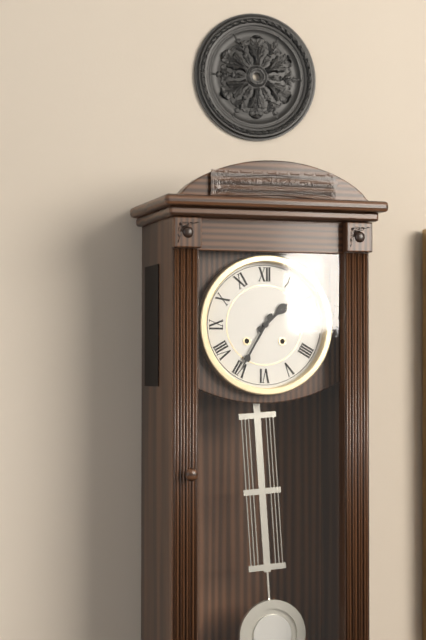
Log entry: 1:35
